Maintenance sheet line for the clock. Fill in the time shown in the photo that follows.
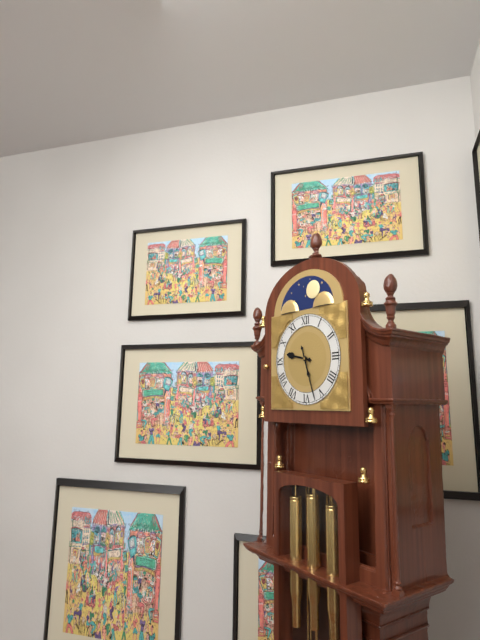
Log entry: 9:27
